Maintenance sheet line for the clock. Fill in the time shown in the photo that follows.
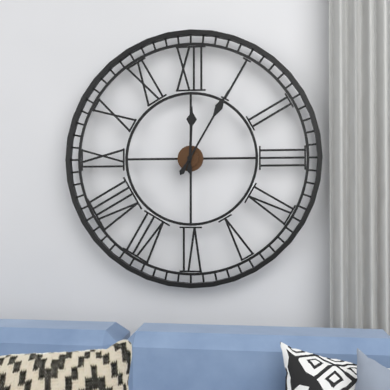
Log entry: 12:05
